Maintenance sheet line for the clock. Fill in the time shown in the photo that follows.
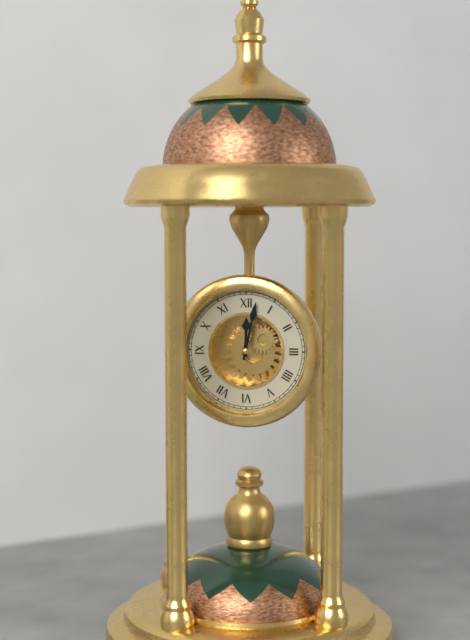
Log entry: 12:02
